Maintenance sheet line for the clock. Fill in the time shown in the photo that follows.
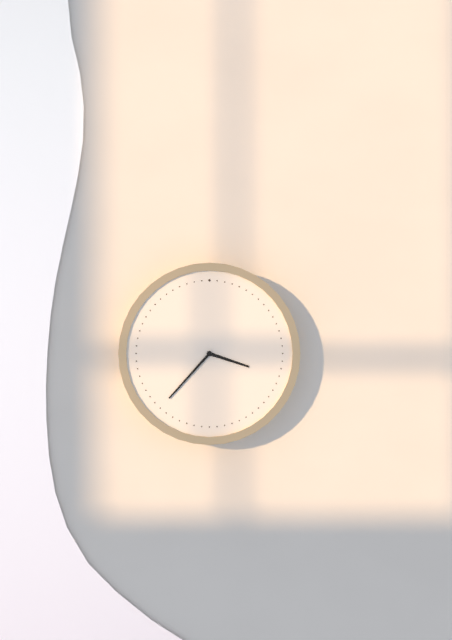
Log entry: 3:37
